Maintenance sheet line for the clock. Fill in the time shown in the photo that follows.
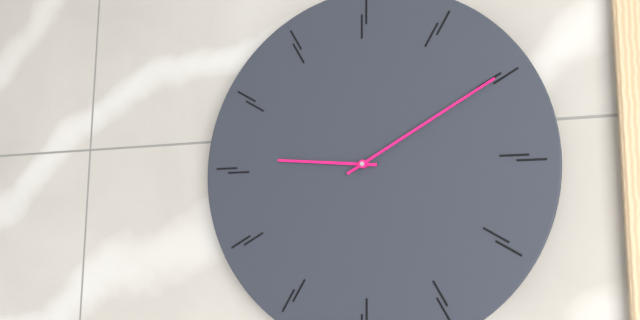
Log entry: 9:10
